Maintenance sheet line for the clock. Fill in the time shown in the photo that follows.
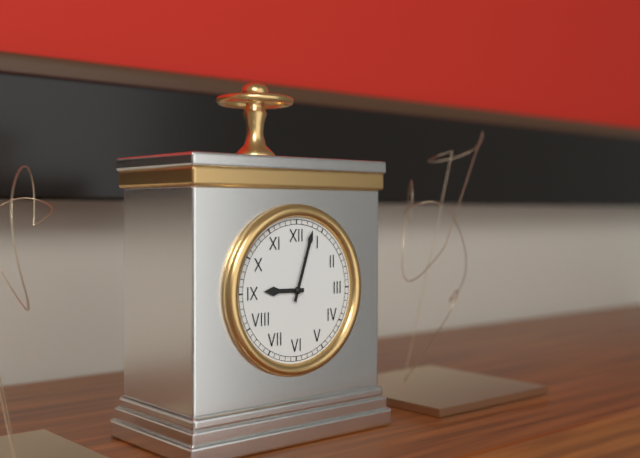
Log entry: 9:03
